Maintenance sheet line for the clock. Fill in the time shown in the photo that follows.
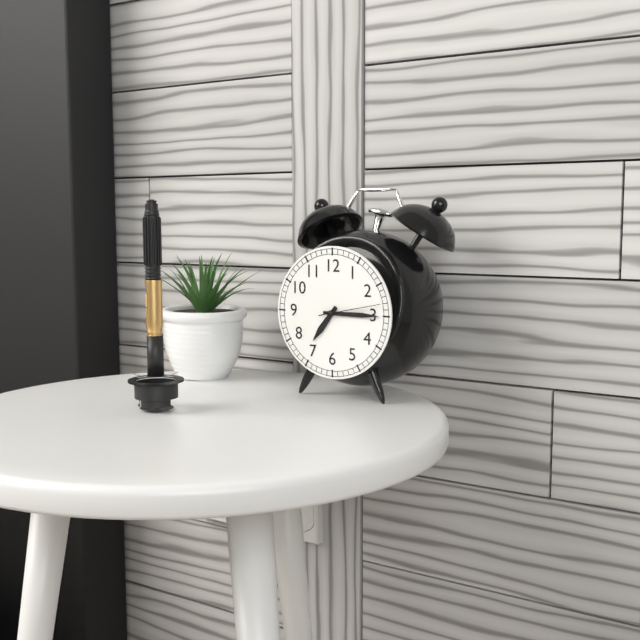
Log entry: 7:15:13
